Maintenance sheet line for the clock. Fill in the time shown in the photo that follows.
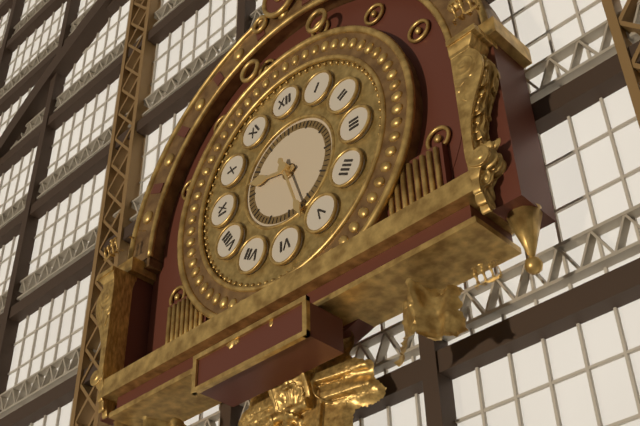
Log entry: 9:27
